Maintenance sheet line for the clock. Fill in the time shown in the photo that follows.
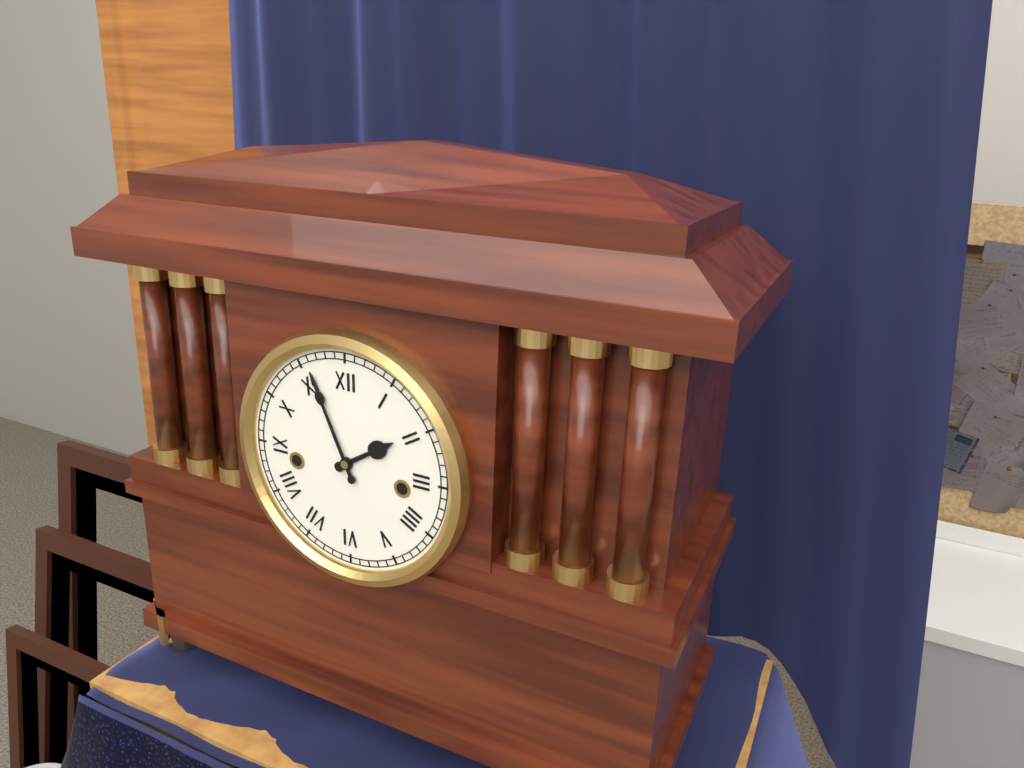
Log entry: 1:56
